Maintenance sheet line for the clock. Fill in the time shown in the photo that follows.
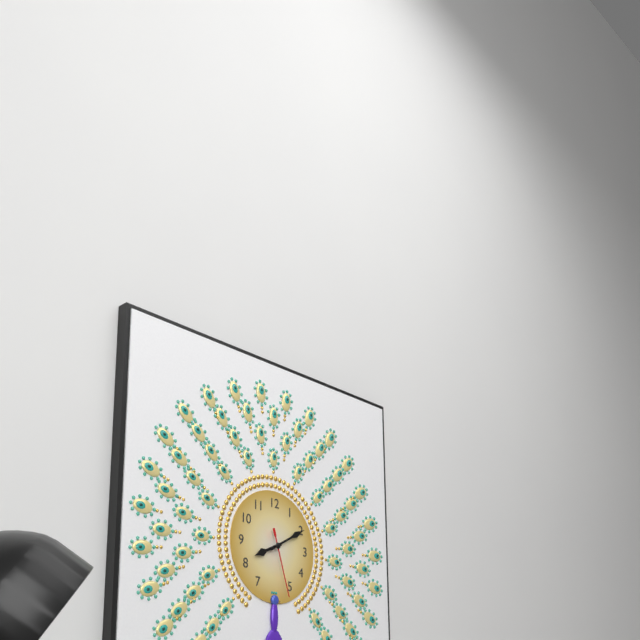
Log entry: 8:10:27
